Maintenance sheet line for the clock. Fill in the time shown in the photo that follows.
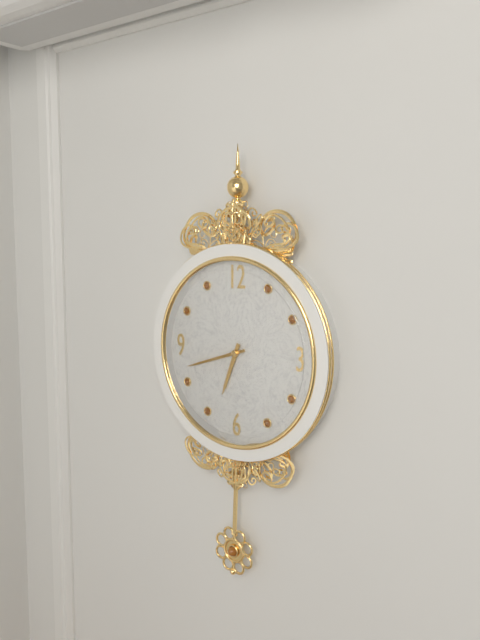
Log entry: 6:42
